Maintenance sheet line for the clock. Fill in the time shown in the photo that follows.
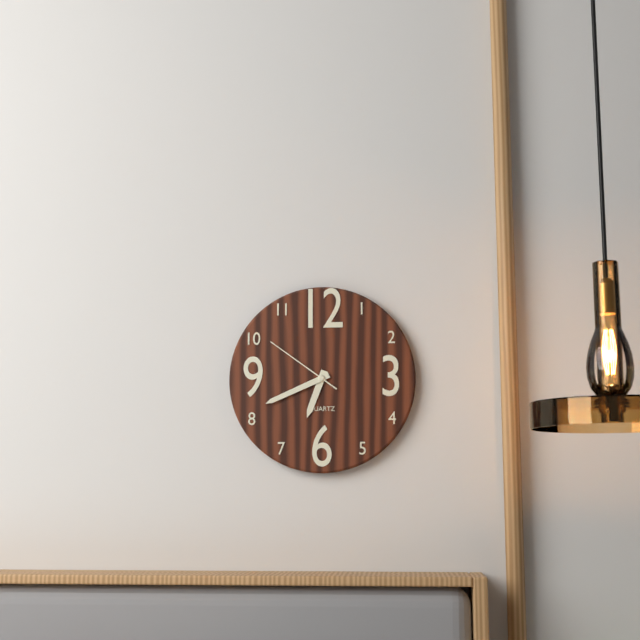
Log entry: 6:41:51
